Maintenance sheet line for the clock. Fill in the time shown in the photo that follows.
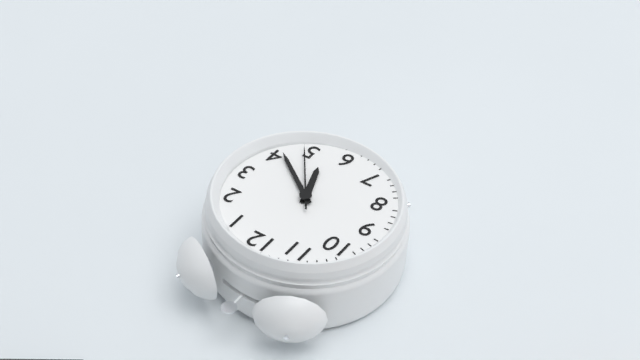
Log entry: 5:21:24
